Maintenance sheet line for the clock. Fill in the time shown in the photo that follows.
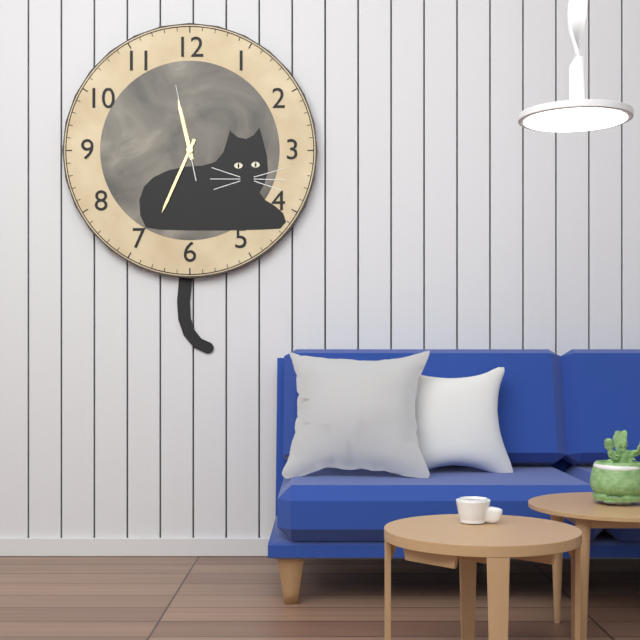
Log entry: 11:34:58
